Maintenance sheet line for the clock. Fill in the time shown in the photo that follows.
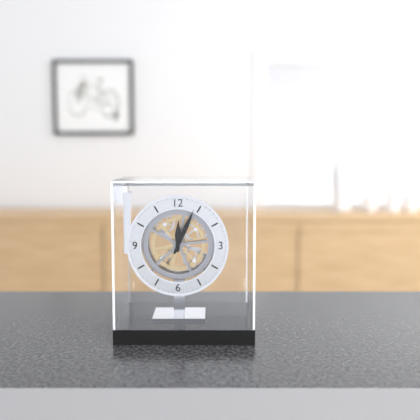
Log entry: 12:04
